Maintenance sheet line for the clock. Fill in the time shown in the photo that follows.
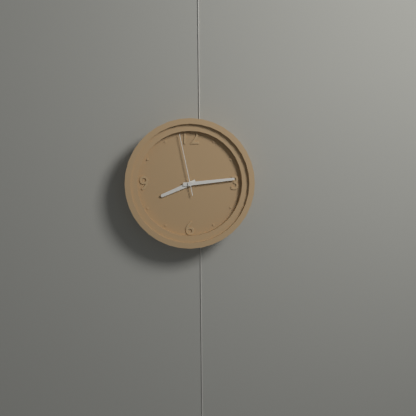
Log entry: 8:14:58
